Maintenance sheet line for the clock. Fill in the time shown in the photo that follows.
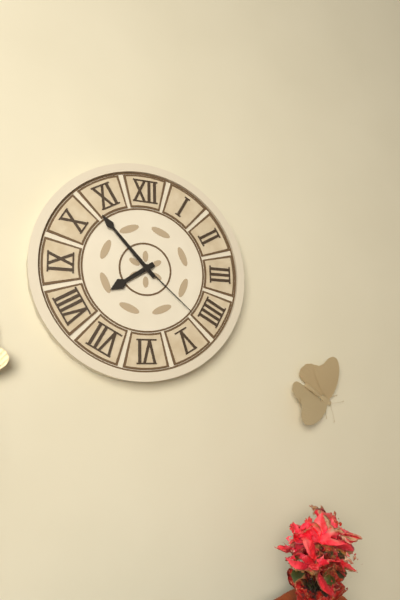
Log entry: 7:53:22
